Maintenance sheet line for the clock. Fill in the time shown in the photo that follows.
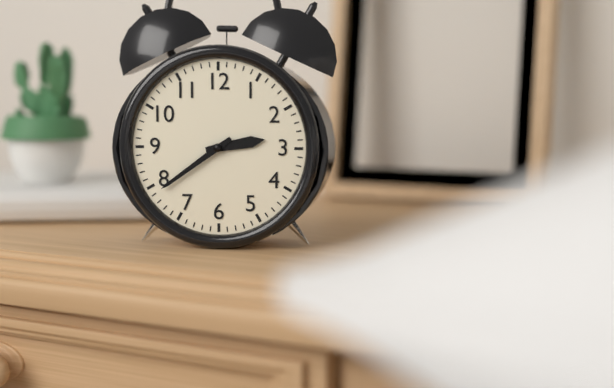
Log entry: 2:39
